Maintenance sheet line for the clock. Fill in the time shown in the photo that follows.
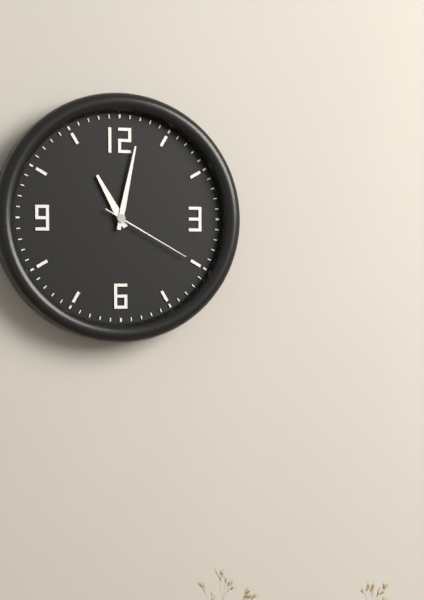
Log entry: 11:02:20
